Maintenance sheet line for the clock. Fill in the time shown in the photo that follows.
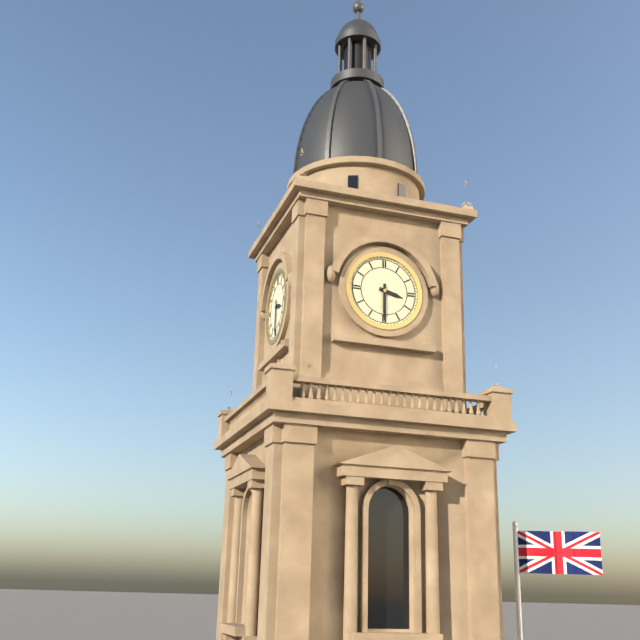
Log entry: 3:30
